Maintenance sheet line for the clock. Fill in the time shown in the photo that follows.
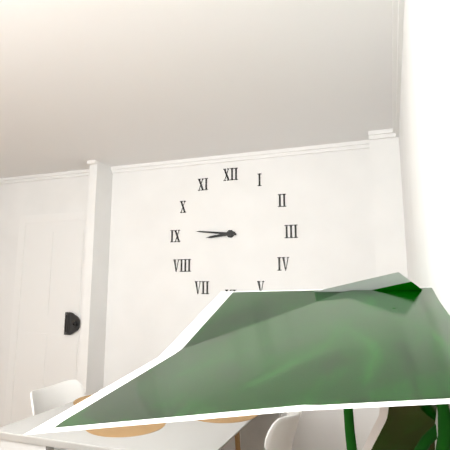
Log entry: 8:46
